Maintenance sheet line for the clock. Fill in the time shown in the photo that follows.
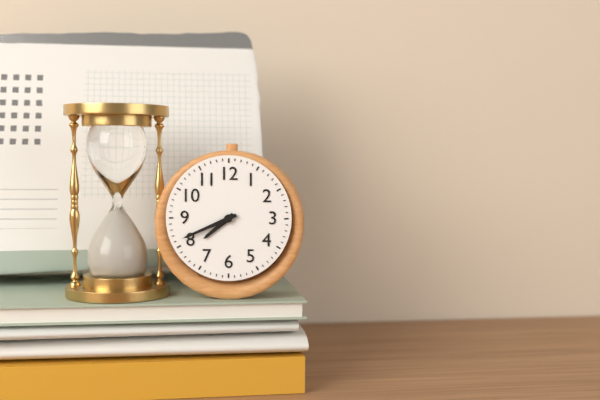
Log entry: 7:41
